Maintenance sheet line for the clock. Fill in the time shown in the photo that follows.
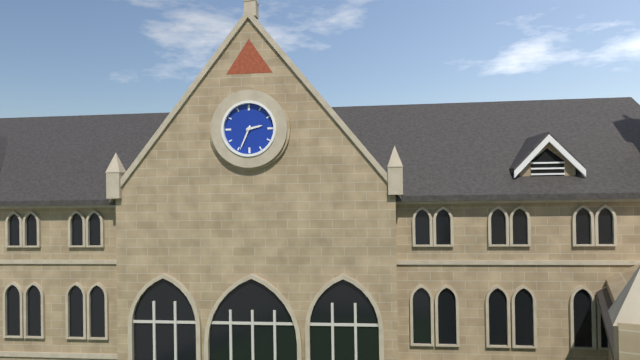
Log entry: 2:34
